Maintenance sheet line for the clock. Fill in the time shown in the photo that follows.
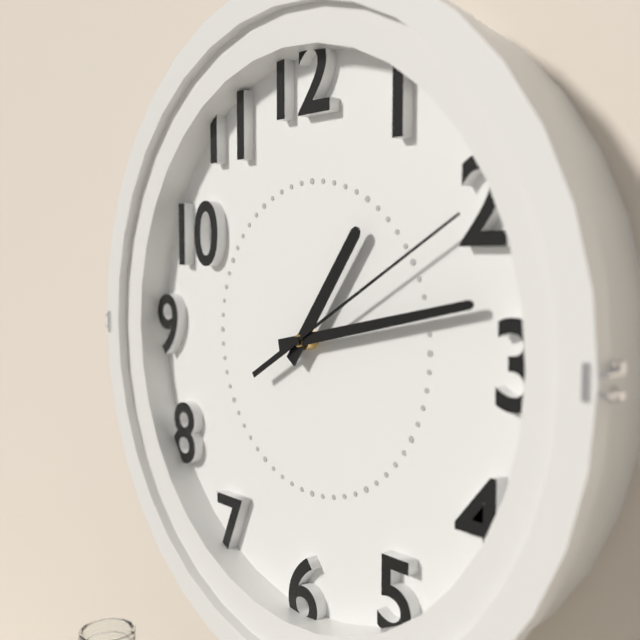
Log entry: 1:13:10
